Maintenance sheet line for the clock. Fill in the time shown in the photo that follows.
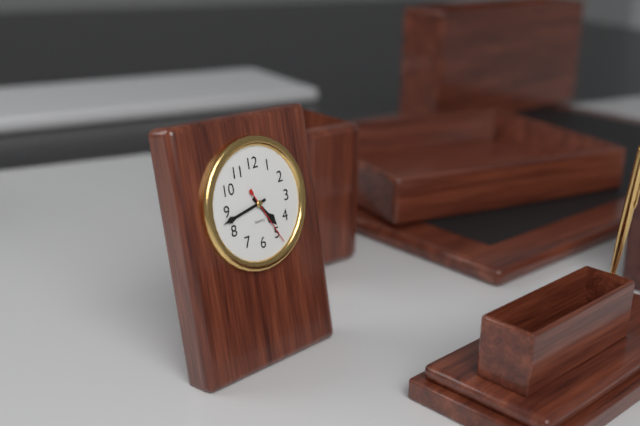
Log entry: 4:43:25
